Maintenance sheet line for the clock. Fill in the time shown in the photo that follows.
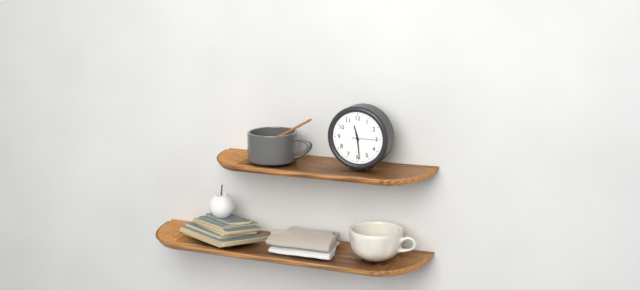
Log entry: 11:29
